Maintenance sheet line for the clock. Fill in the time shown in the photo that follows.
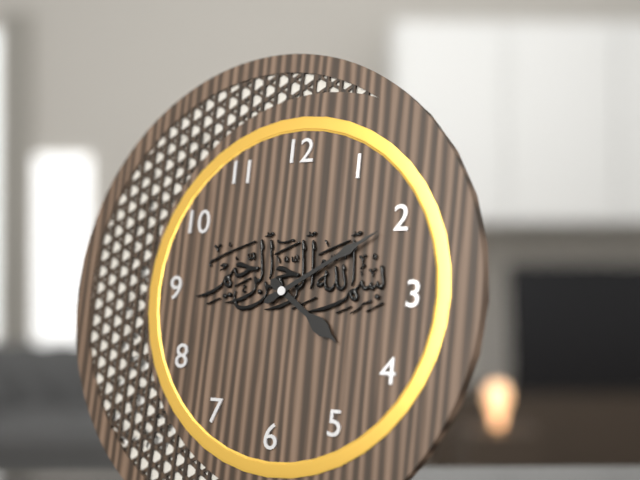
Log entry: 4:10
